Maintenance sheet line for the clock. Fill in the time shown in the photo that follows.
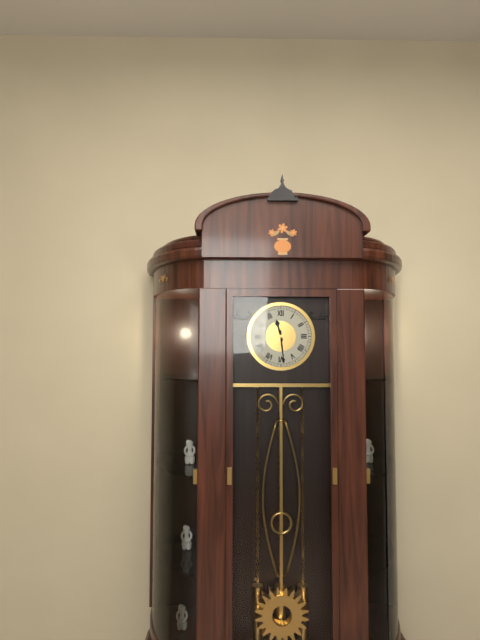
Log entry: 11:29
